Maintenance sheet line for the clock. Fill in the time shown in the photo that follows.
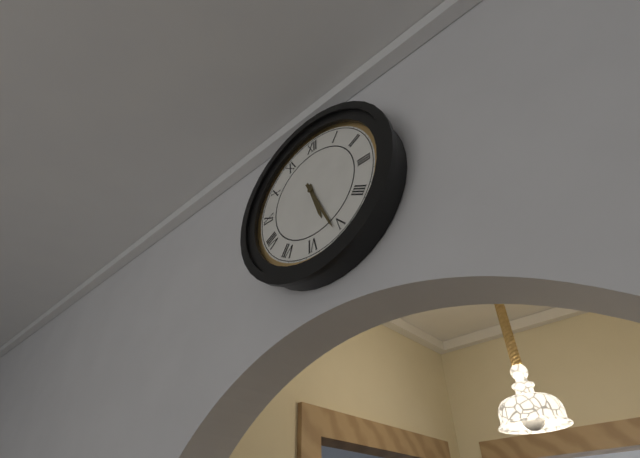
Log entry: 5:26
